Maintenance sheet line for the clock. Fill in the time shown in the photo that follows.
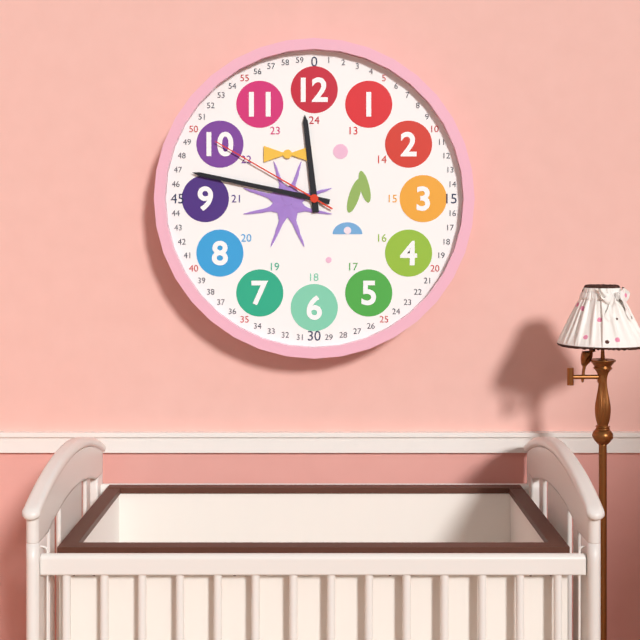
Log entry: 11:47:50
